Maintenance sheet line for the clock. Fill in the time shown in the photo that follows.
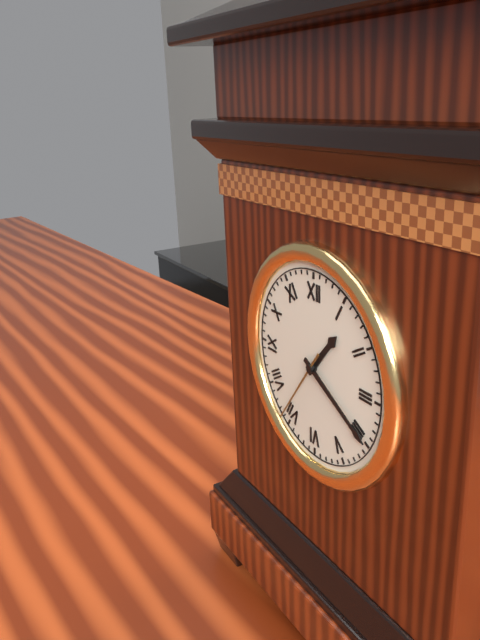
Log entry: 1:20:36
